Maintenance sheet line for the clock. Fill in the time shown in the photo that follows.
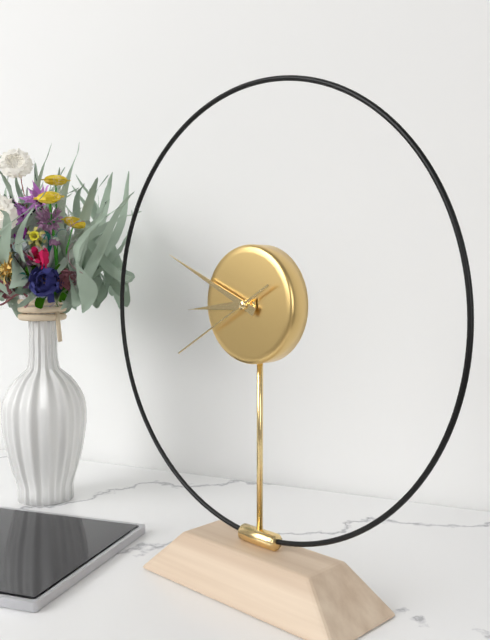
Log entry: 8:49:40
